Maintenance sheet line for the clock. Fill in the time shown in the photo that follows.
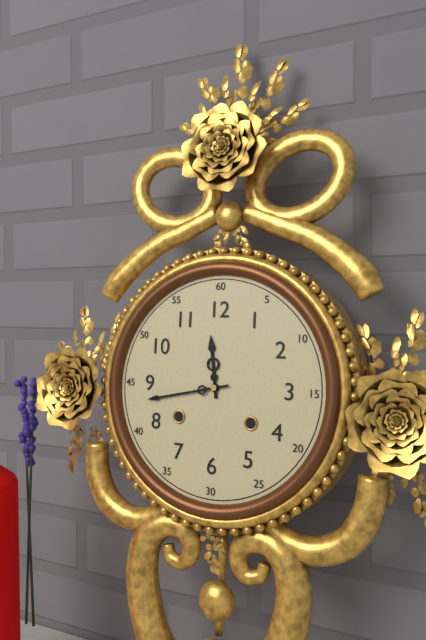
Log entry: 11:43
